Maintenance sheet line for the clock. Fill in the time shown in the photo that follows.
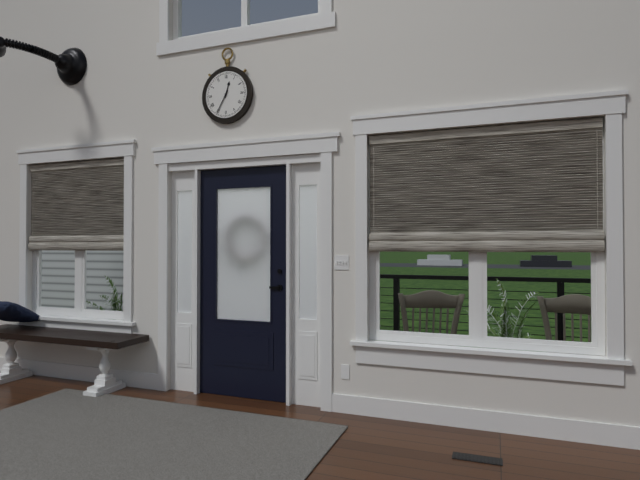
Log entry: 12:35
